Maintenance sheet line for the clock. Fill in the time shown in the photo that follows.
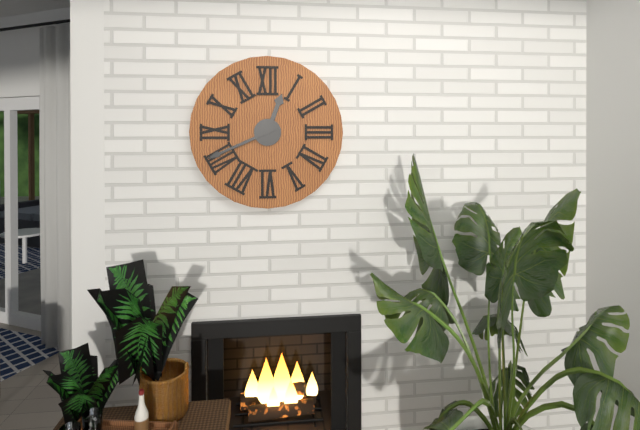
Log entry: 12:41
